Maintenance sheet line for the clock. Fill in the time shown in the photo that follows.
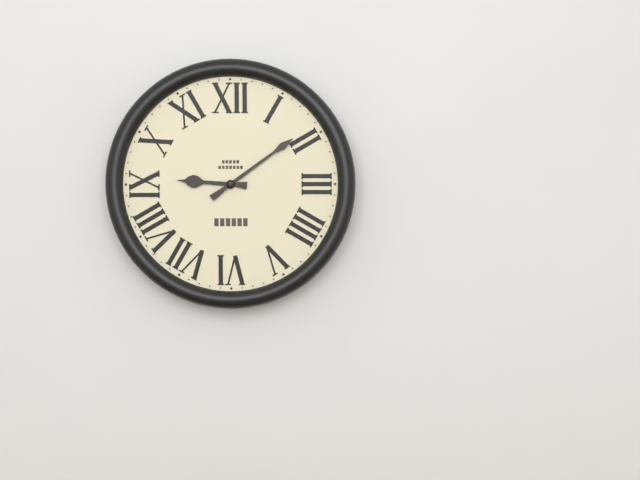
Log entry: 9:09
